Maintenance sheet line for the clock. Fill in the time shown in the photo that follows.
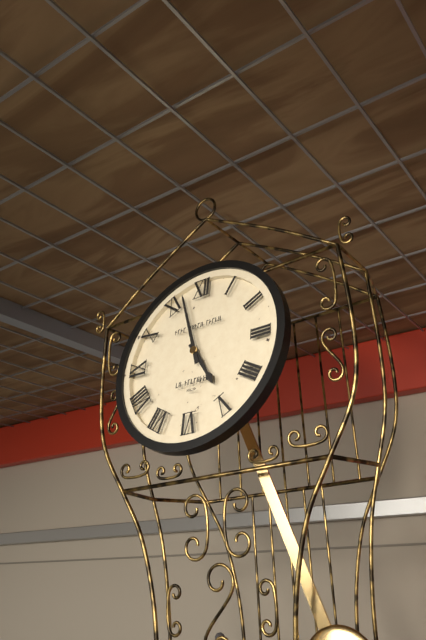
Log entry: 4:57
